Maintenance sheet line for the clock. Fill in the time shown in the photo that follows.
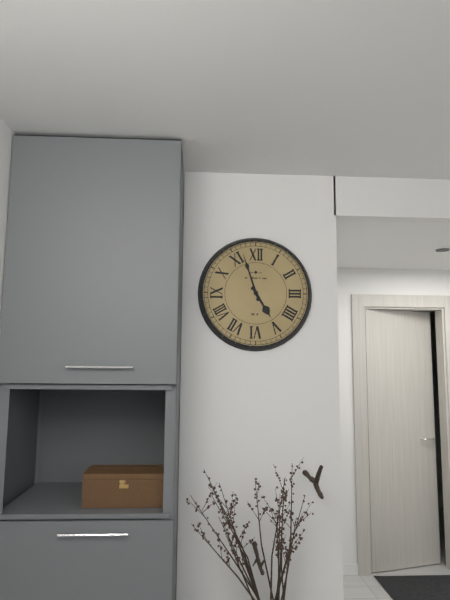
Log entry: 4:57
